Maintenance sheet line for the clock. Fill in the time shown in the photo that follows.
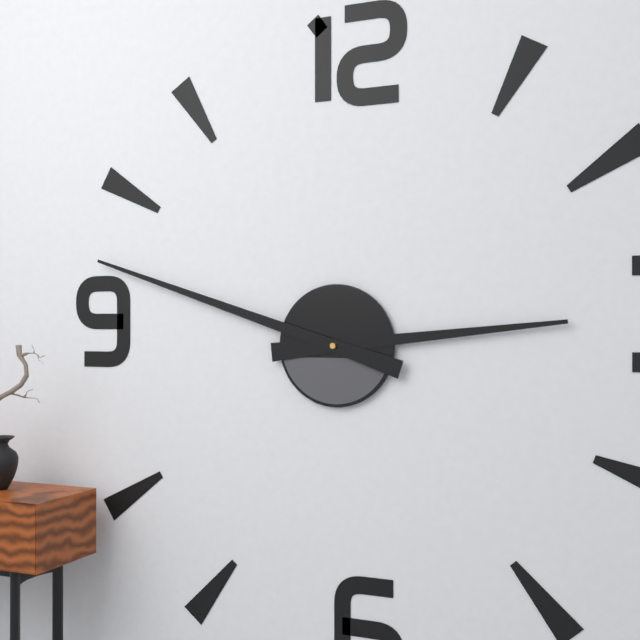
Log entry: 2:48
